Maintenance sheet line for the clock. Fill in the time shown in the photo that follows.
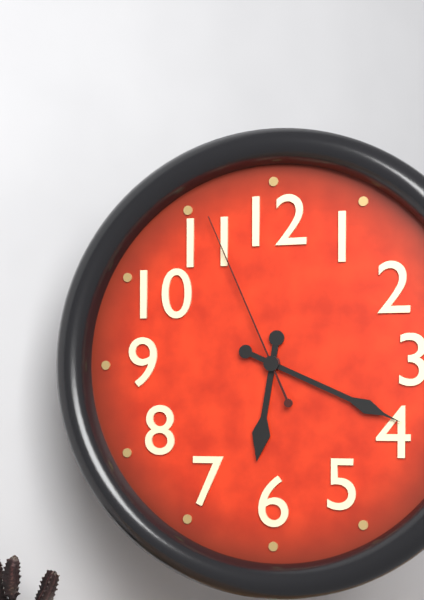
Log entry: 6:19:56
